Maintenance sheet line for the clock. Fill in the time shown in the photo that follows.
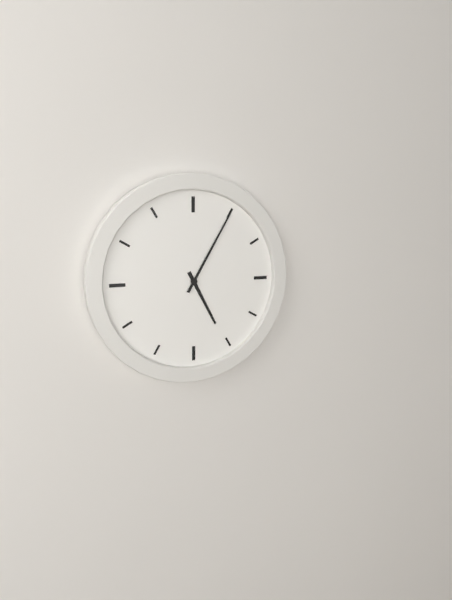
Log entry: 5:05
